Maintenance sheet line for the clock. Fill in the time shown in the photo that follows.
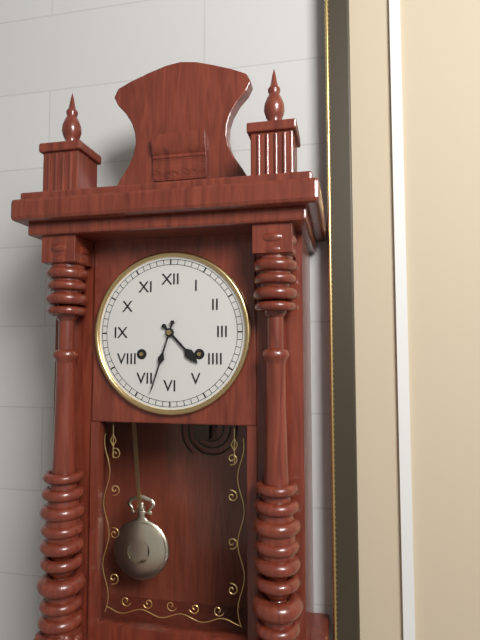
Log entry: 4:33
